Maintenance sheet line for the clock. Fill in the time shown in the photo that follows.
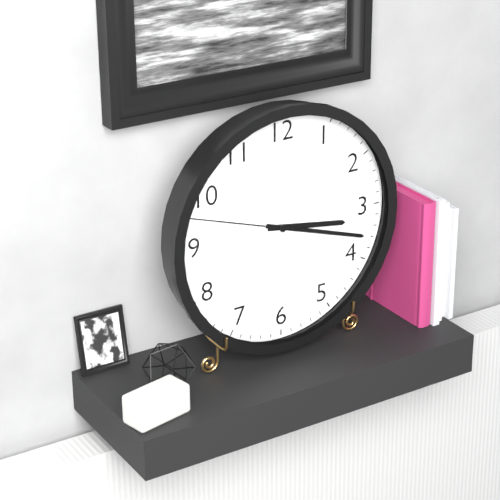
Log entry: 3:18:48
